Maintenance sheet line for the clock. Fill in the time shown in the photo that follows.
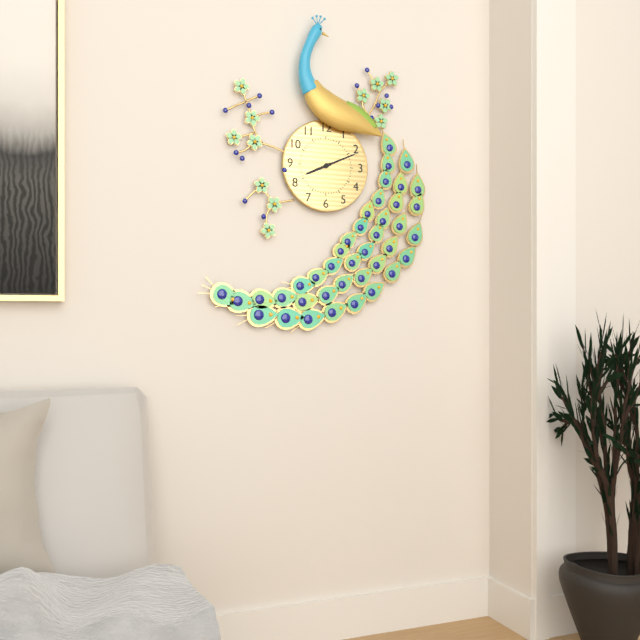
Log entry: 8:11
